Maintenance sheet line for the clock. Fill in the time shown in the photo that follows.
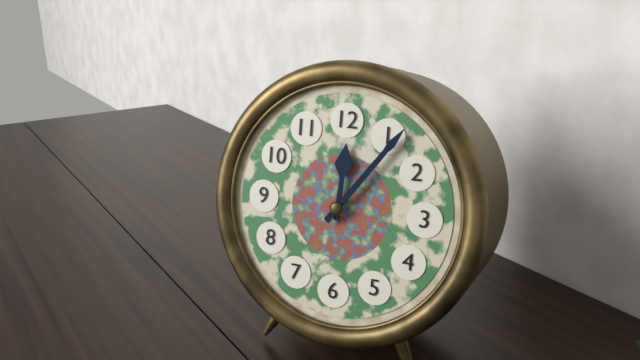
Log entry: 12:06
